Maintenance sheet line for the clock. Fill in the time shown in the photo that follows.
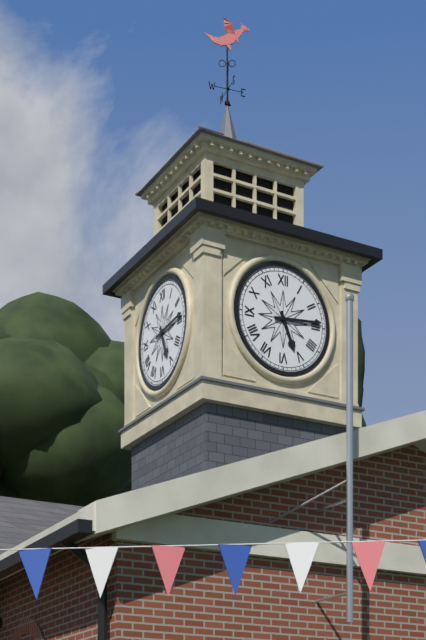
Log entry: 5:14
